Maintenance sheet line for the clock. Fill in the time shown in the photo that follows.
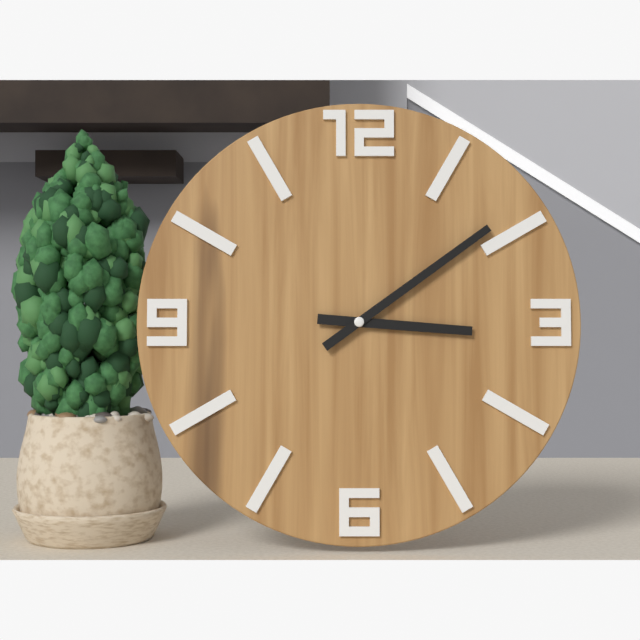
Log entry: 3:09
